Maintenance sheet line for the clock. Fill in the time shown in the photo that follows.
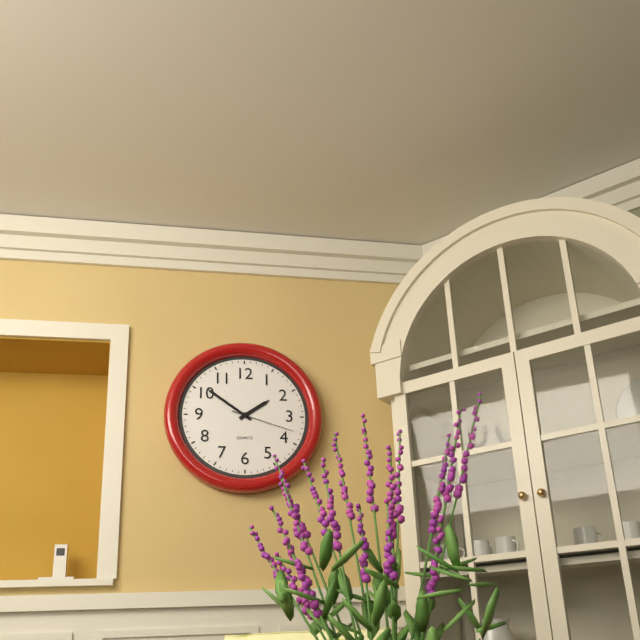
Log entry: 1:51:18
